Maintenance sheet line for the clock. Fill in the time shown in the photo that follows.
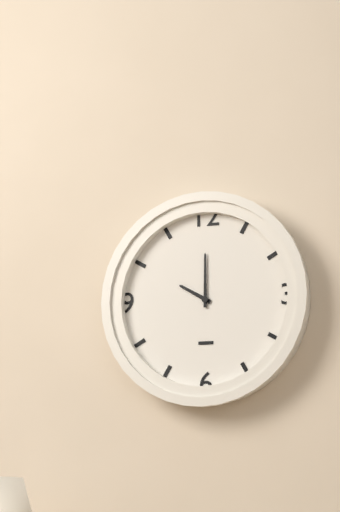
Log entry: 10:00
